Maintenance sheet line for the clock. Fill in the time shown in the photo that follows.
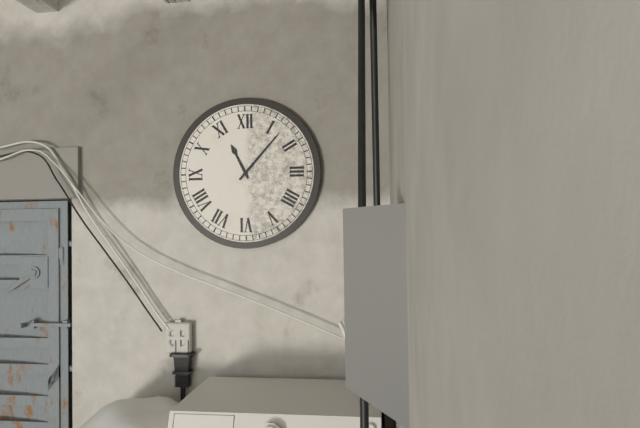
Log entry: 11:07
